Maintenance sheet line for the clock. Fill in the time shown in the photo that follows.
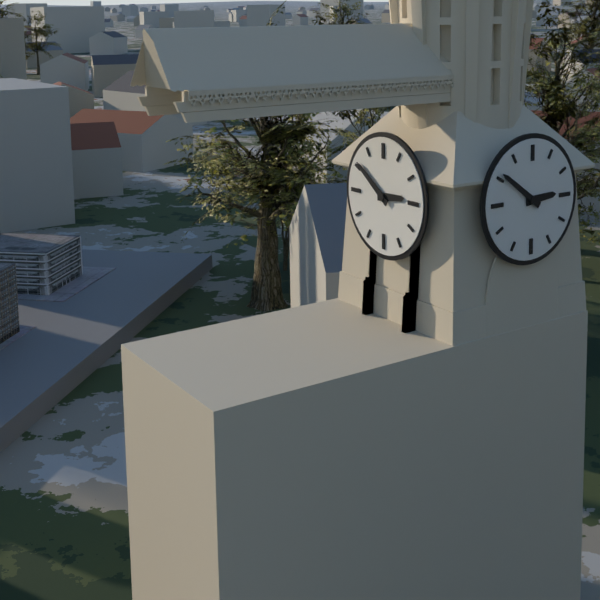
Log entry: 2:51
